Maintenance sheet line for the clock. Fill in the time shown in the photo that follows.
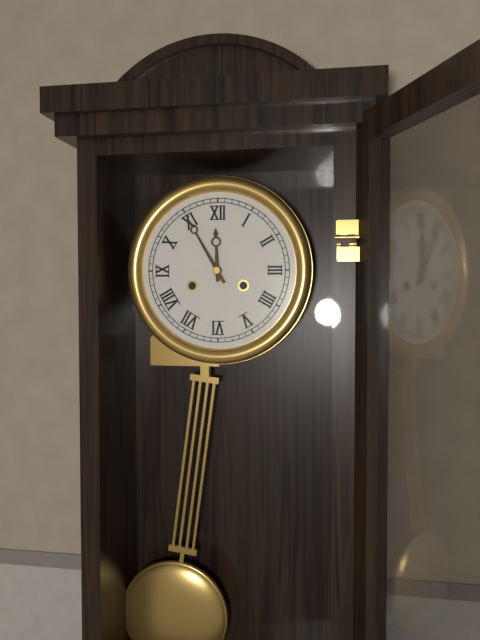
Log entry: 11:55
